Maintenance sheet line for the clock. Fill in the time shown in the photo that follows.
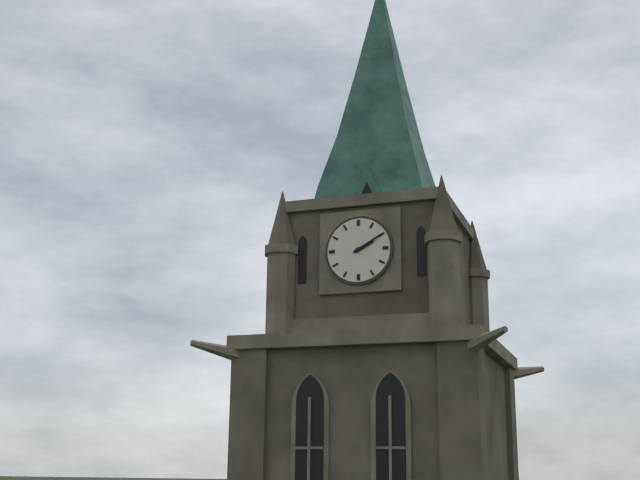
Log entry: 2:10
